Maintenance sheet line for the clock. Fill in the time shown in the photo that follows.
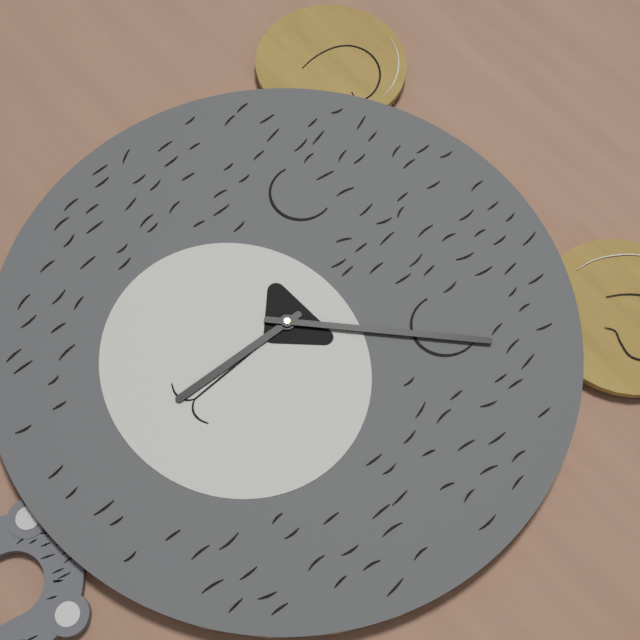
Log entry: 6:08
